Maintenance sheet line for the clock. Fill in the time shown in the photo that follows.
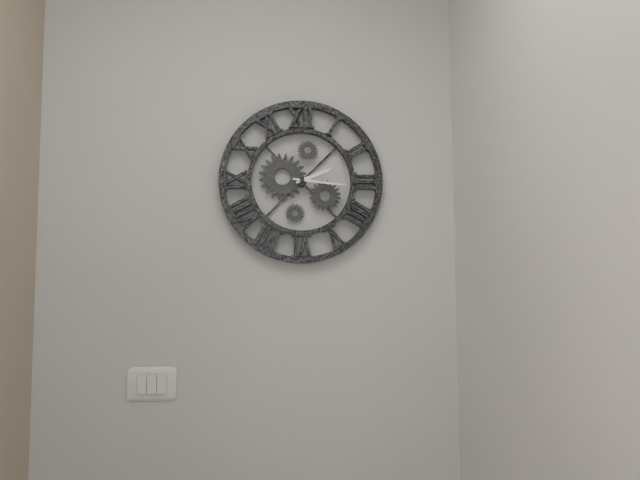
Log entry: 2:16
